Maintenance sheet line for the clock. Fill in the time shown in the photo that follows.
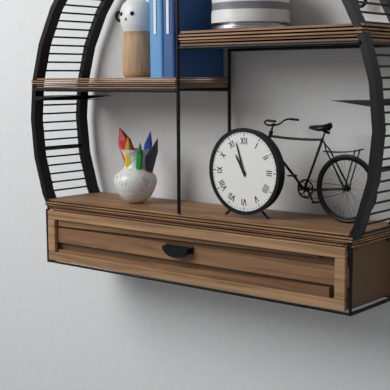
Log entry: 10:57
